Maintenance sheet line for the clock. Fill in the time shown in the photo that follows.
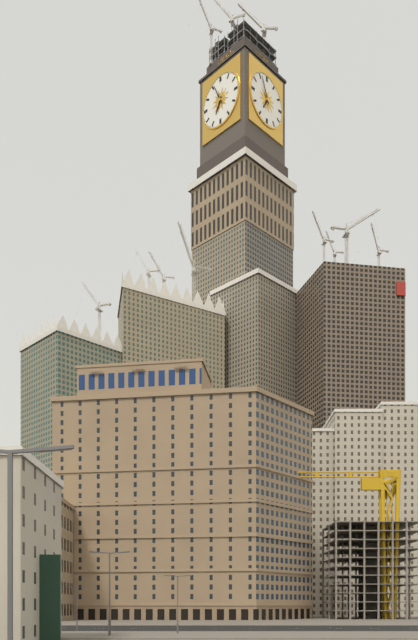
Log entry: 6:56
